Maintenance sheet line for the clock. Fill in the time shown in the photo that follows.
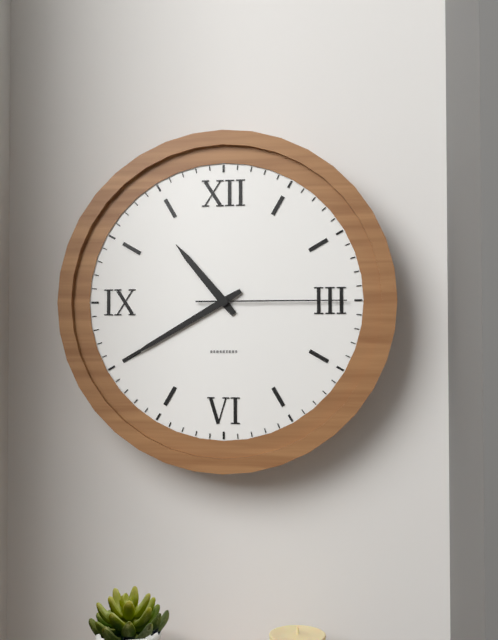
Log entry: 10:40:15
